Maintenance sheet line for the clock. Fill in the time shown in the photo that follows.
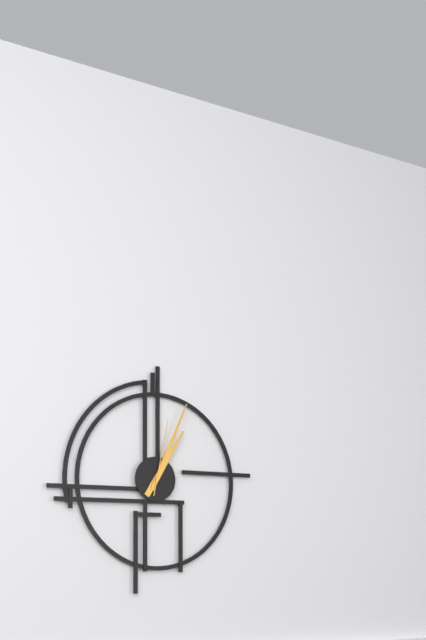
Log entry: 1:04:02
